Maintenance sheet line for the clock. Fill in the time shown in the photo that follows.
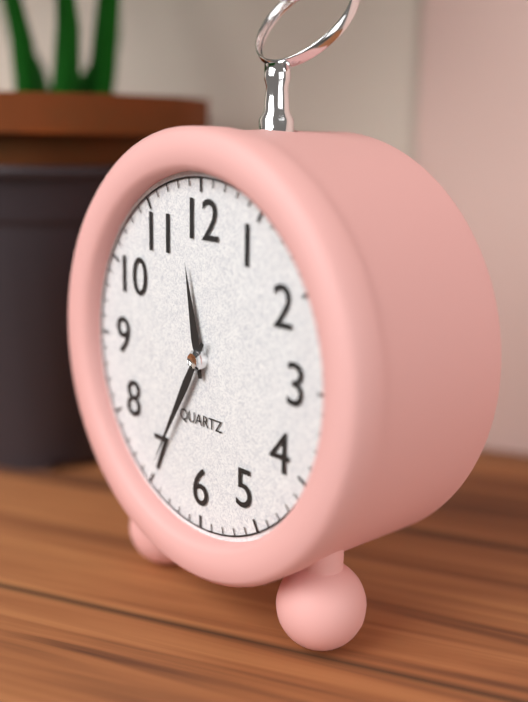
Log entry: 11:35
